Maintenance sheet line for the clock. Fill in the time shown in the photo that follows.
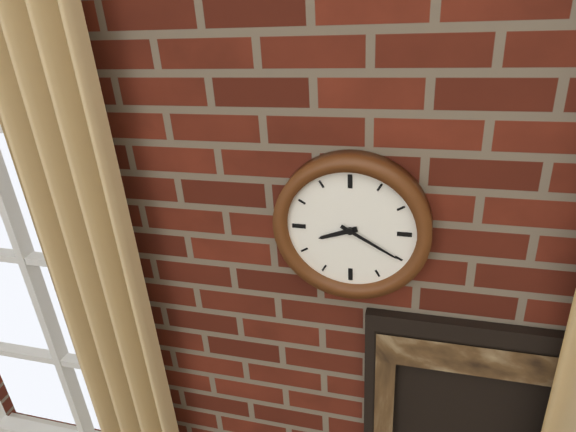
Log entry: 8:20
